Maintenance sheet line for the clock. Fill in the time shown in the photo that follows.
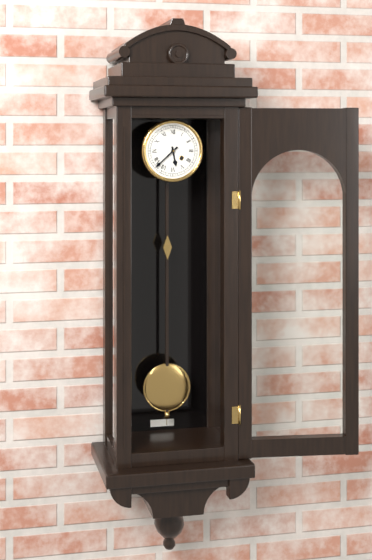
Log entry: 5:38
